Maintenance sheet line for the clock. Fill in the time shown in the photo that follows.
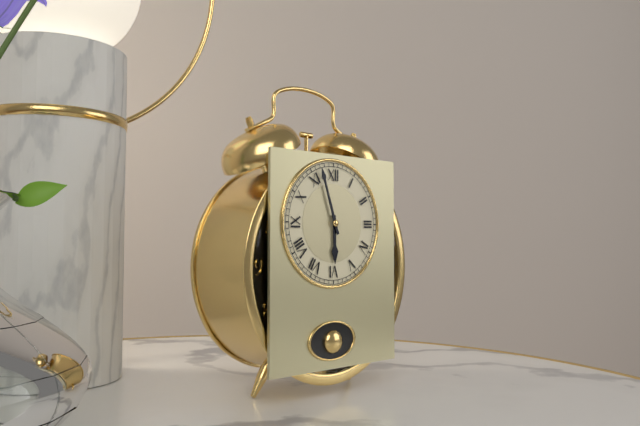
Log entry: 5:57
